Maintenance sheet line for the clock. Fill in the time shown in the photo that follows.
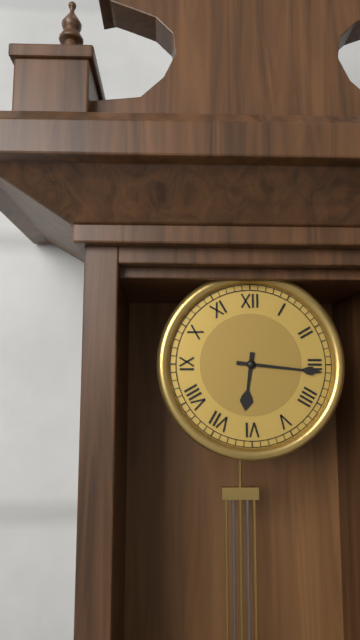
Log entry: 6:16
